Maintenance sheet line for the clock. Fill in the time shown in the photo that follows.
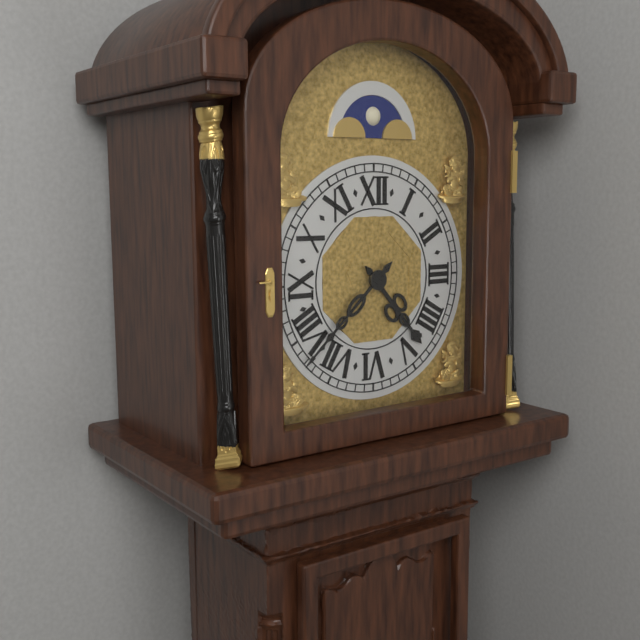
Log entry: 4:38
